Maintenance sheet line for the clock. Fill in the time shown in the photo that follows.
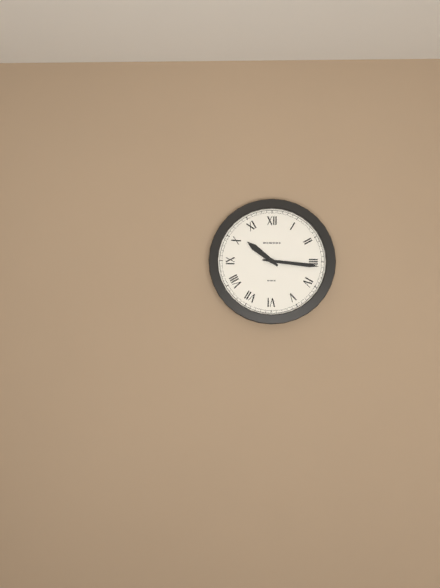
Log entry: 10:16
